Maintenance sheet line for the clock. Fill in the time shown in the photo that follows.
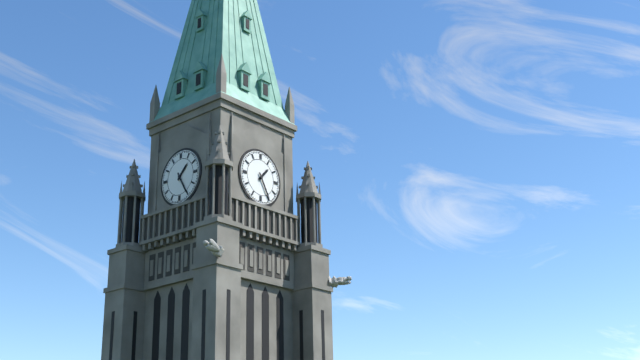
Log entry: 1:25
